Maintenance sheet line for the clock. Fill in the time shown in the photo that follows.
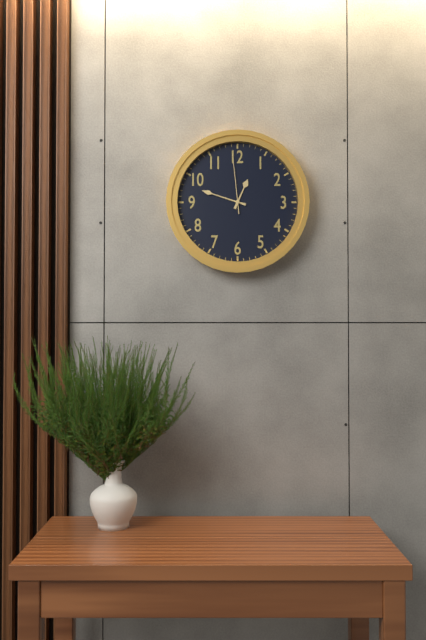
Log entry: 12:48:59
